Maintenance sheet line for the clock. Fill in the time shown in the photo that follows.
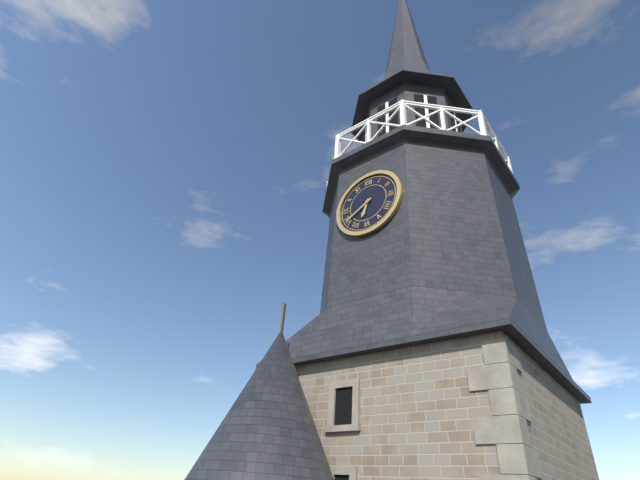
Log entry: 6:40
